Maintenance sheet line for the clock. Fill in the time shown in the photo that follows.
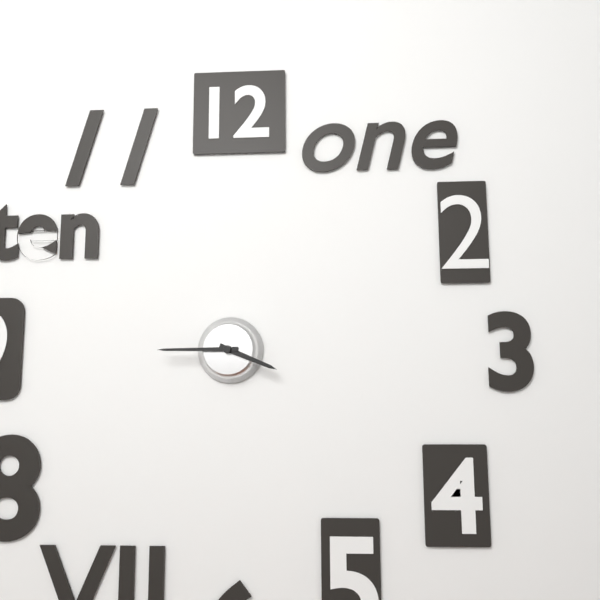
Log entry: 3:45
